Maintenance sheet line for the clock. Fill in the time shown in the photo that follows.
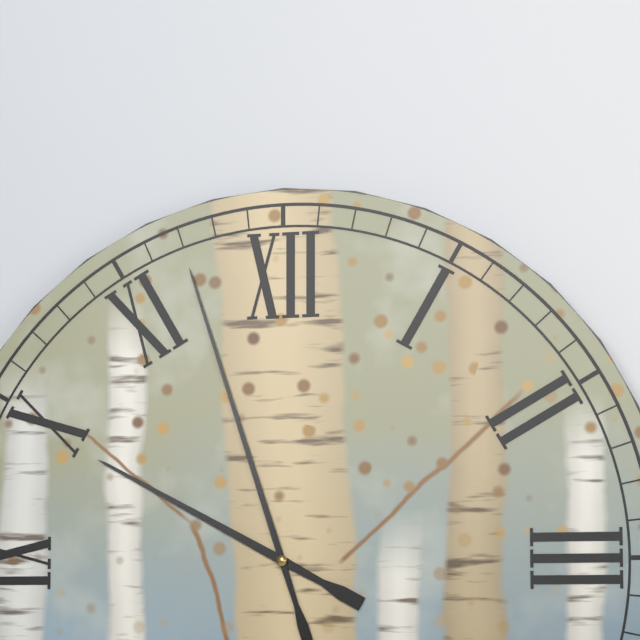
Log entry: 9:57
